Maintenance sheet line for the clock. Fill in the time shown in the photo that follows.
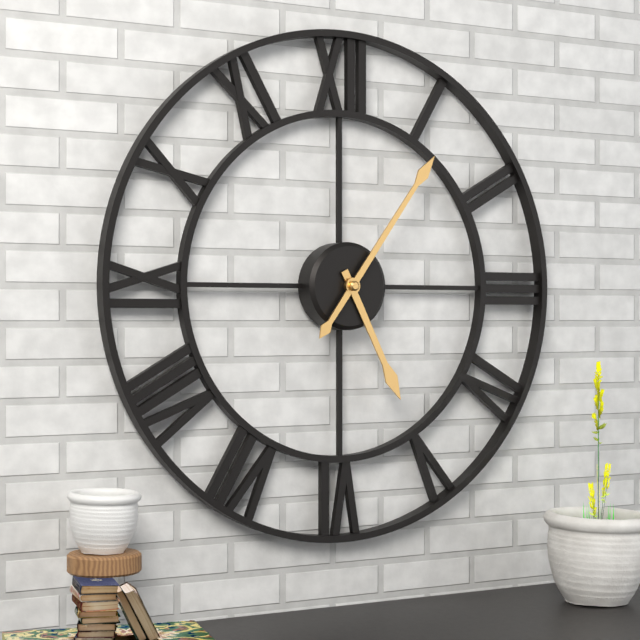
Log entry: 5:06
